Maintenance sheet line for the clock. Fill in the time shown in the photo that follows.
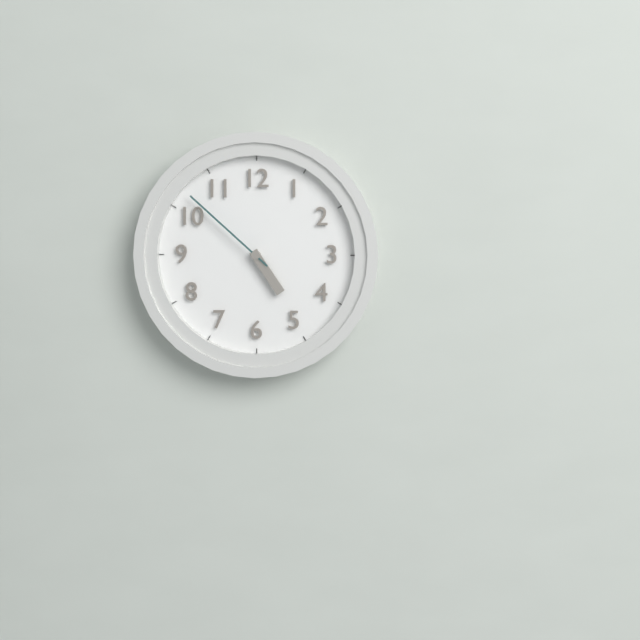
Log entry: 4:52
